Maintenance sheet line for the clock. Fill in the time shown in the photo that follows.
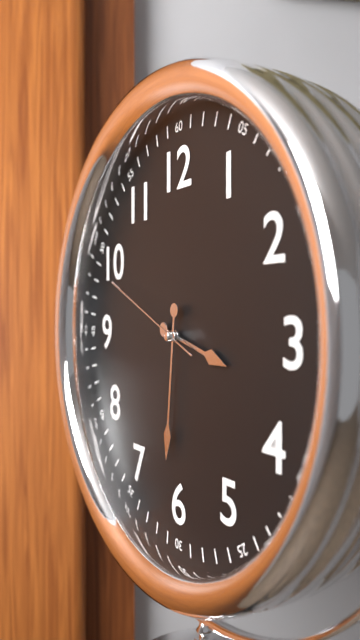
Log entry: 3:31:49
